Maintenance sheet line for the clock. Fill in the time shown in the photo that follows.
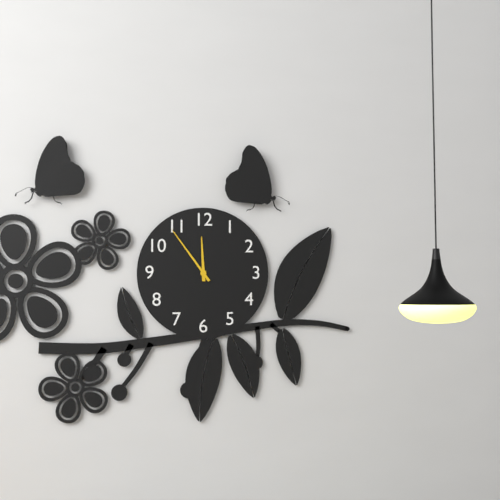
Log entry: 11:54
